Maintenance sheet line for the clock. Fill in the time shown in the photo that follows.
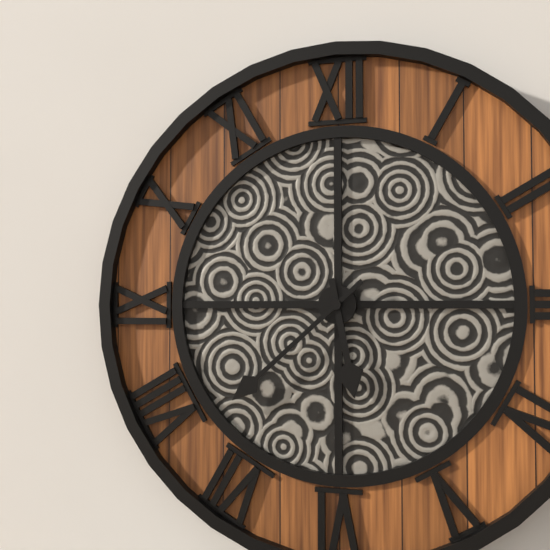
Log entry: 5:38
